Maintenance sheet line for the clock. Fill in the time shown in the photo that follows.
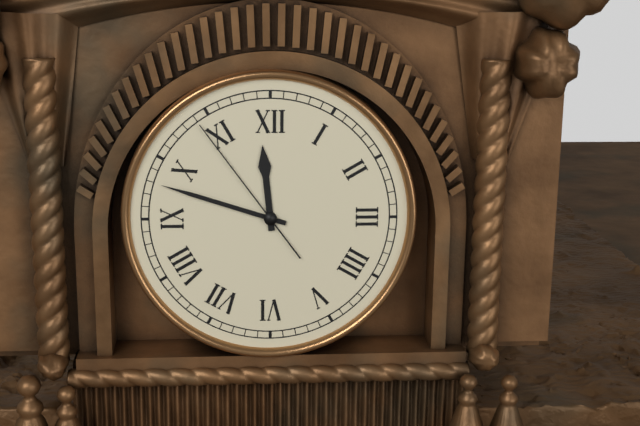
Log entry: 11:48:54
